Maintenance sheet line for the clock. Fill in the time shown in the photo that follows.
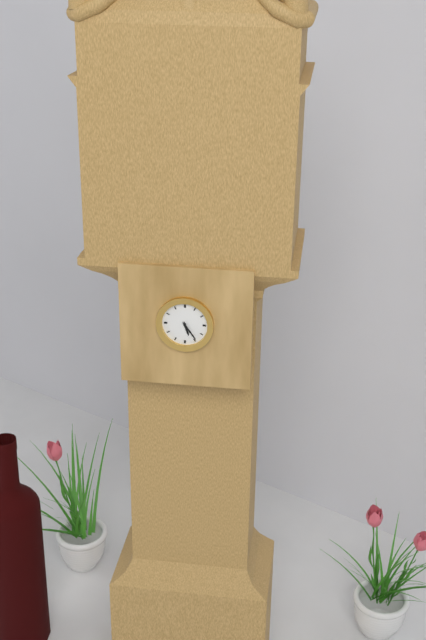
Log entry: 5:24
